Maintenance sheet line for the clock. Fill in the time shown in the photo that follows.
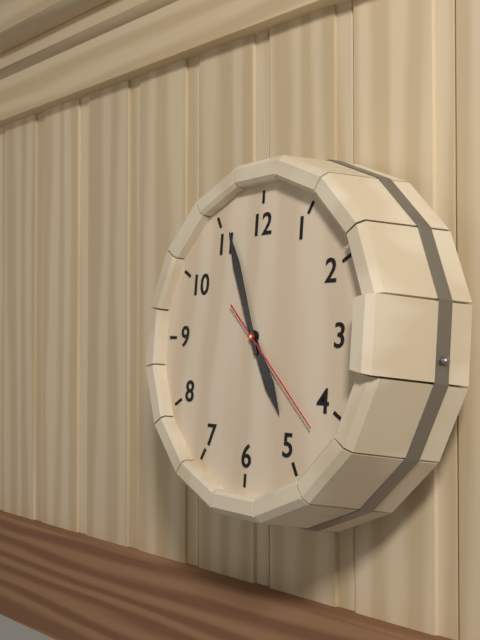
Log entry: 4:56:22
